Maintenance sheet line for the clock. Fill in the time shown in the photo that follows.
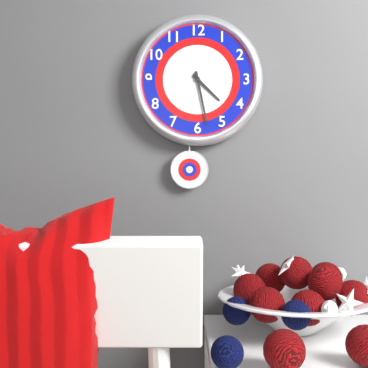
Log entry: 4:28
